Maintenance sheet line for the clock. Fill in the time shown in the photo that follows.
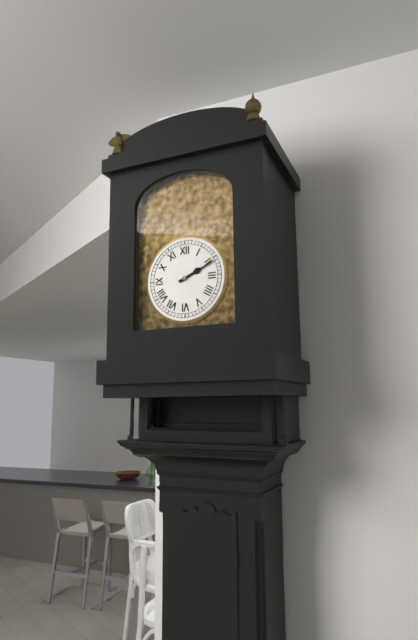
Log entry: 2:11
